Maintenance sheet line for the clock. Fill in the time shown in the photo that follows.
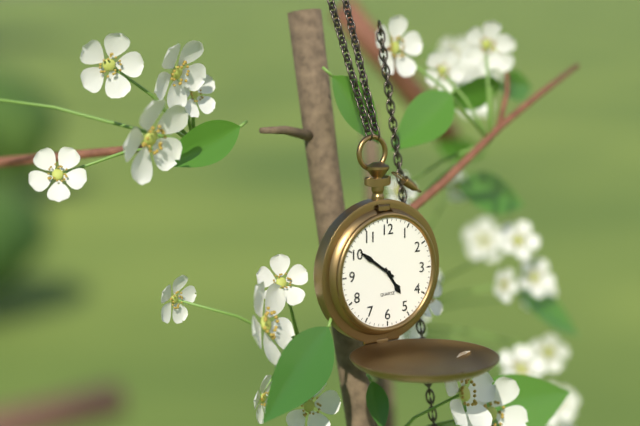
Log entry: 4:51
